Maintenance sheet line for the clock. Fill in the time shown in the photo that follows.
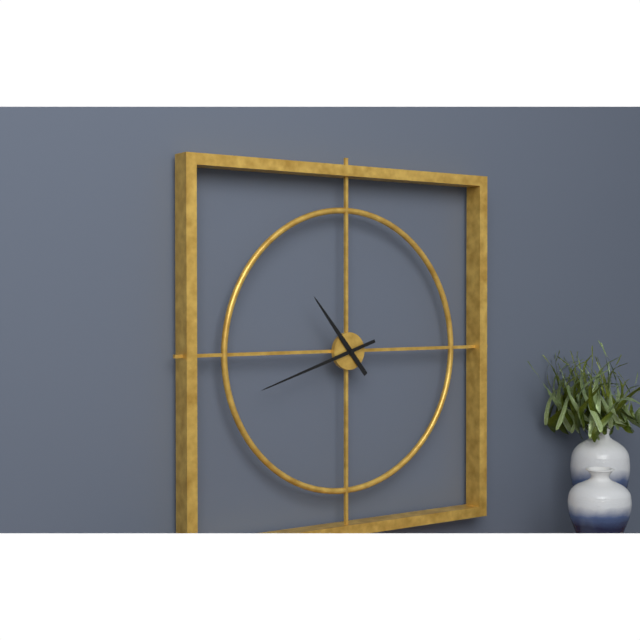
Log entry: 10:42
